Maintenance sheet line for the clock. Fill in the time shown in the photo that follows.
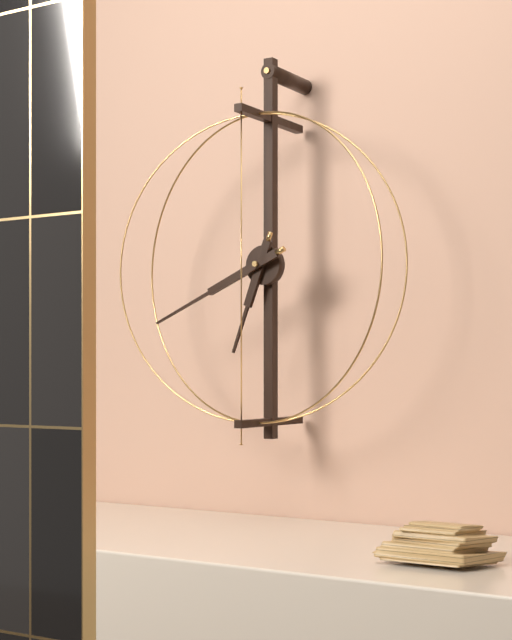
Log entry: 6:41
